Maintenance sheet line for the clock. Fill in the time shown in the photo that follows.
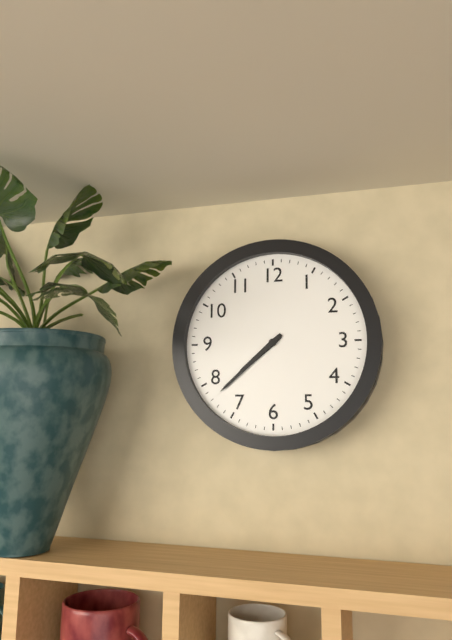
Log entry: 7:38
